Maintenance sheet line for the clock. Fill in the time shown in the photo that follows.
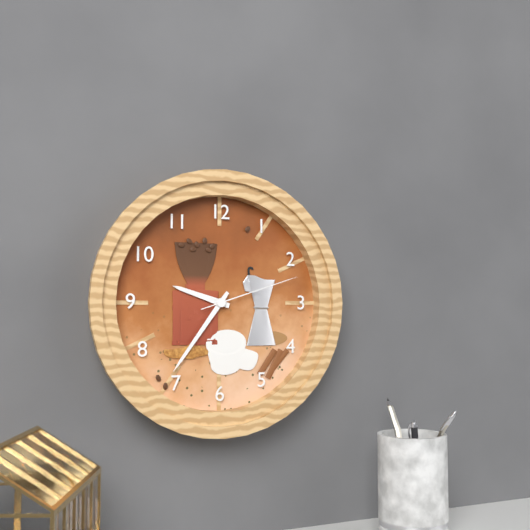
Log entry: 9:36:12
